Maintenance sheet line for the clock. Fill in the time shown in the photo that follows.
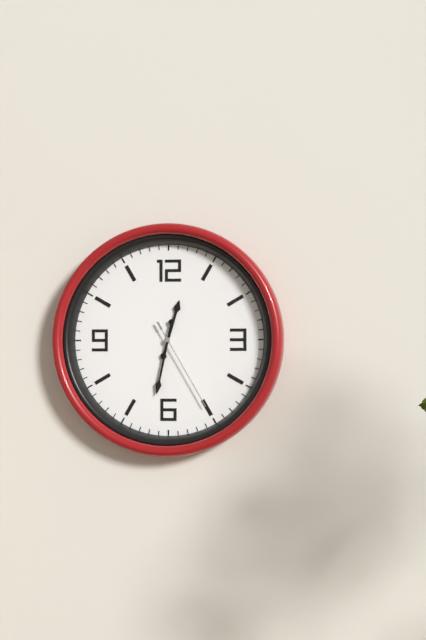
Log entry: 12:32:25
